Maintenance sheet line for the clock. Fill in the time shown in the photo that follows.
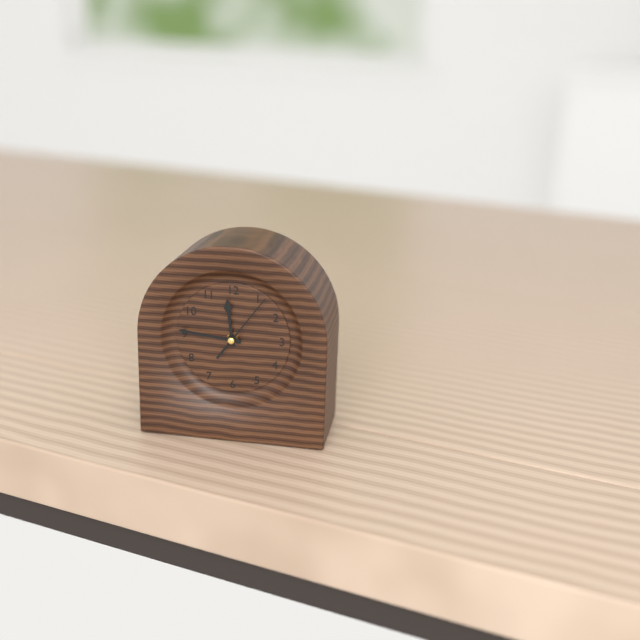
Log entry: 11:46:06
